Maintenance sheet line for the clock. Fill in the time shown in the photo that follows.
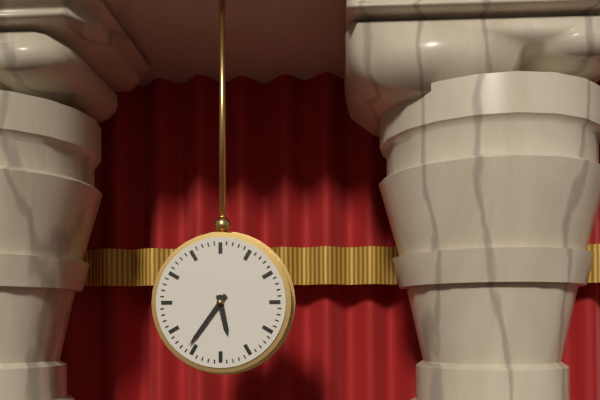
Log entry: 5:36
